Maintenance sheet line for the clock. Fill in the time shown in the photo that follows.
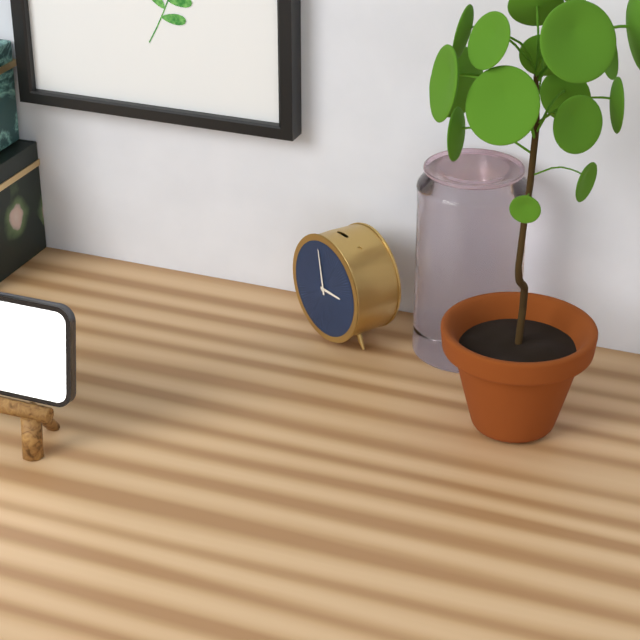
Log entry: 2:58
